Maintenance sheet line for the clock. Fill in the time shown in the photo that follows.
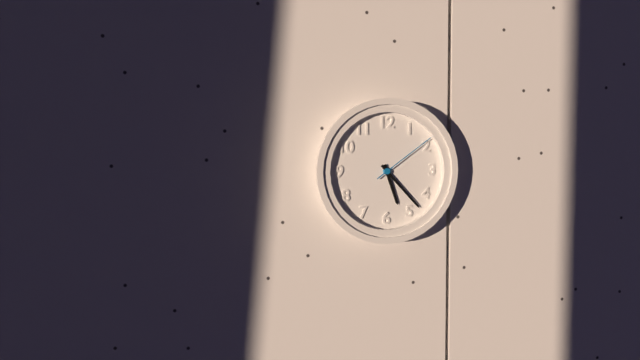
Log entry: 5:23:09
